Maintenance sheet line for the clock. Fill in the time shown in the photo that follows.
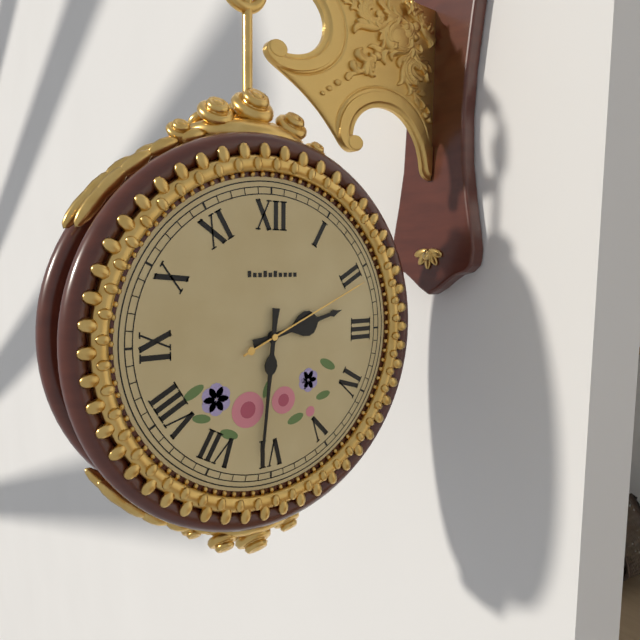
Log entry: 2:31:11
